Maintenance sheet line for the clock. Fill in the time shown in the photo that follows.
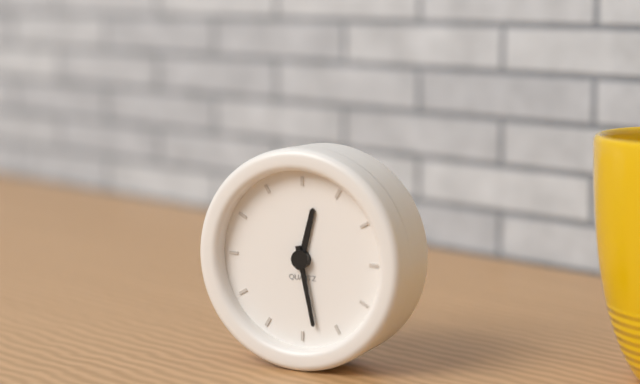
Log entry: 12:28
